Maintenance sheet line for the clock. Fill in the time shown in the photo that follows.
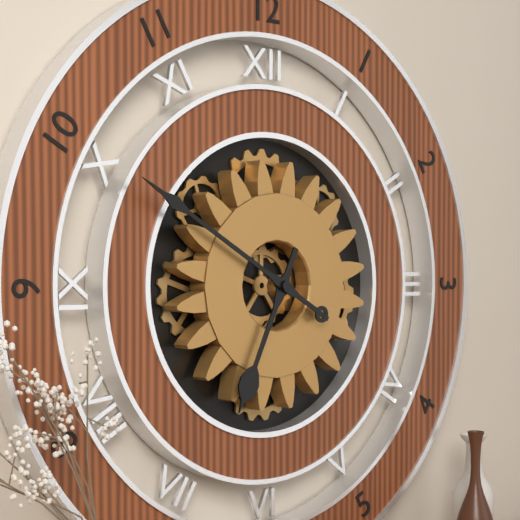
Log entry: 6:50
